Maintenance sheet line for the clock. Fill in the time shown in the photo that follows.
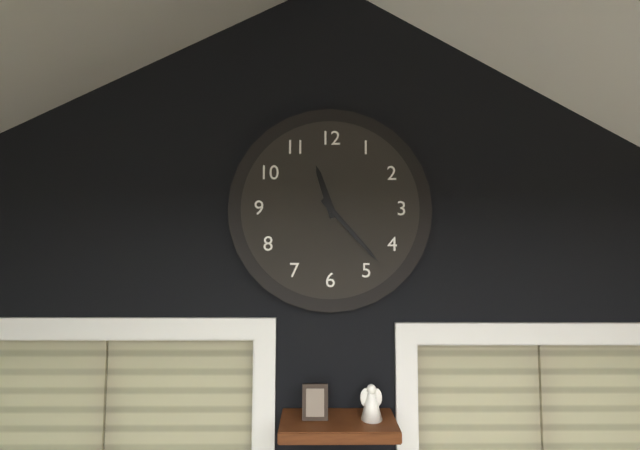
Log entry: 11:23
